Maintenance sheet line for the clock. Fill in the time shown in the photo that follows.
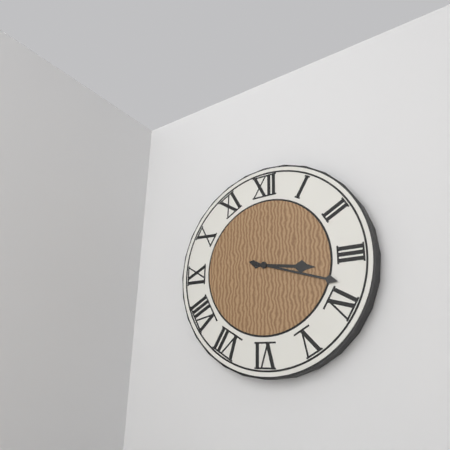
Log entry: 3:18
